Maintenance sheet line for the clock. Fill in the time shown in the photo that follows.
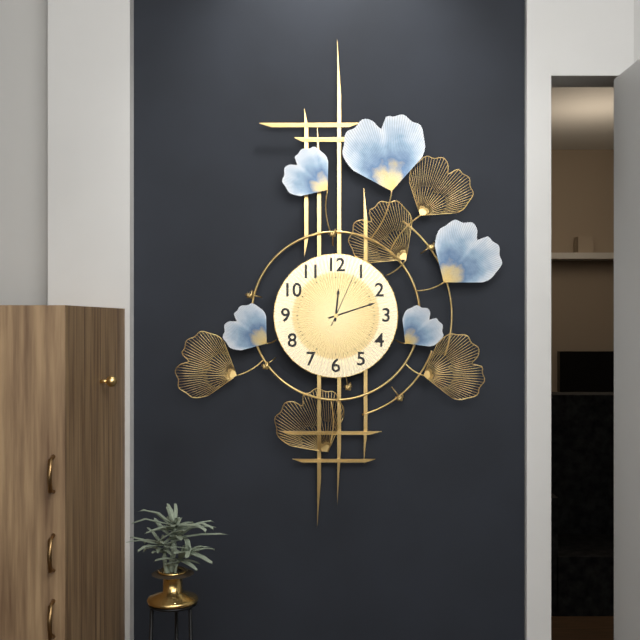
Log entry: 12:12:04
